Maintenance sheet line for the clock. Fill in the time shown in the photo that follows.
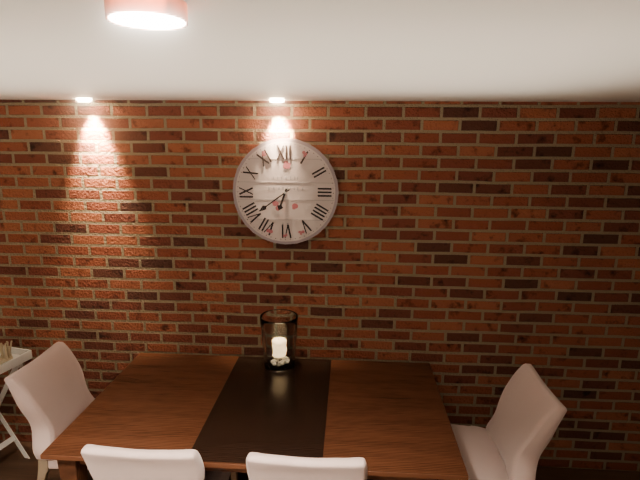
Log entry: 6:39
